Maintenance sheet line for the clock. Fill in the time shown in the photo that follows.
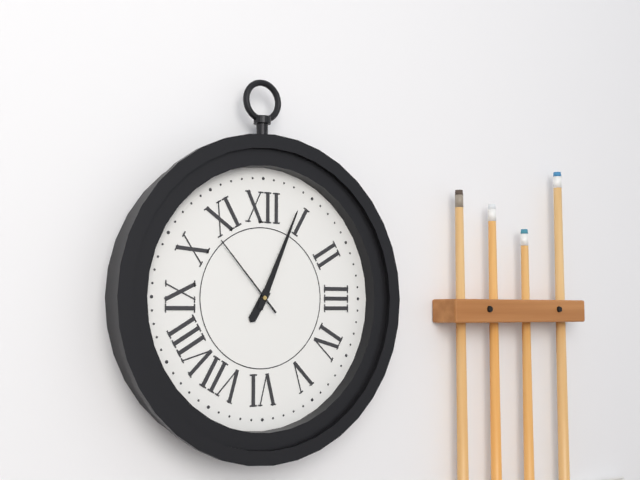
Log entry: 7:04:53
